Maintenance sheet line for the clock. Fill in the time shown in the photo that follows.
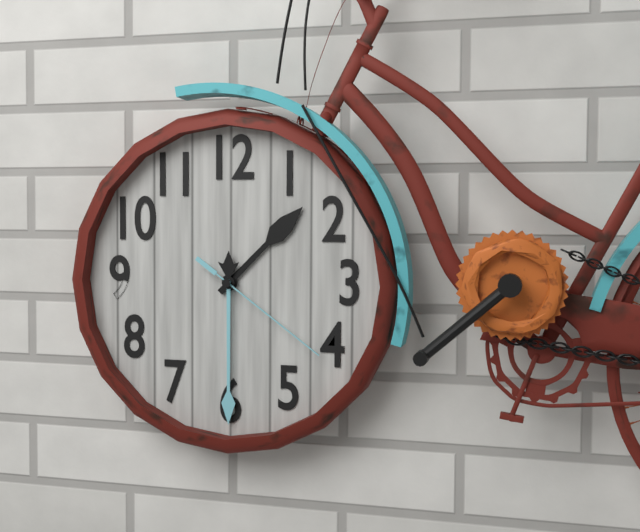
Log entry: 1:30:21
